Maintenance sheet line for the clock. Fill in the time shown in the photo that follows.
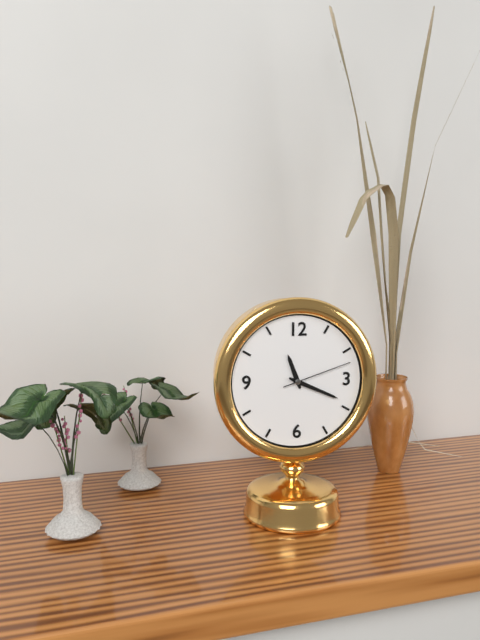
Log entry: 11:19:12
